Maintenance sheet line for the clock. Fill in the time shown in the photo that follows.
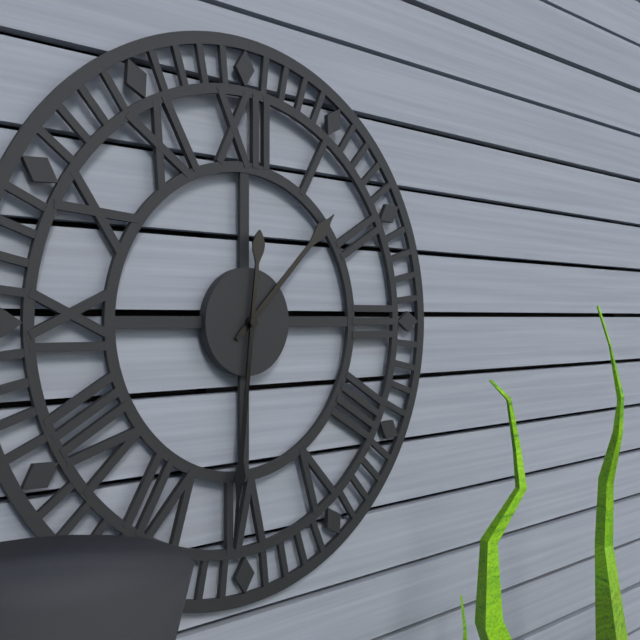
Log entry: 1:31
